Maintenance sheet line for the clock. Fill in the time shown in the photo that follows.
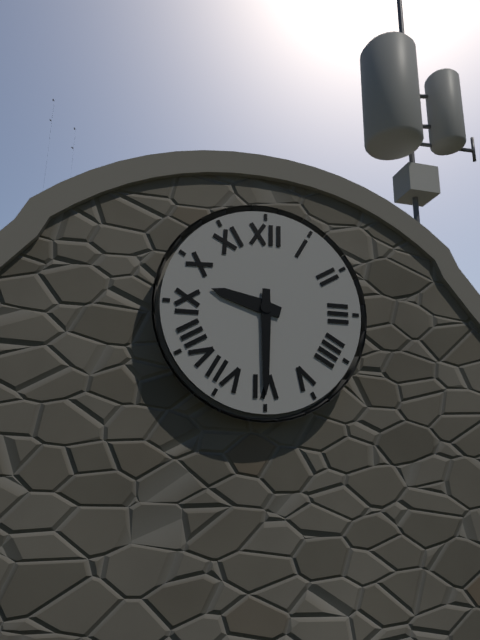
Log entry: 9:30
